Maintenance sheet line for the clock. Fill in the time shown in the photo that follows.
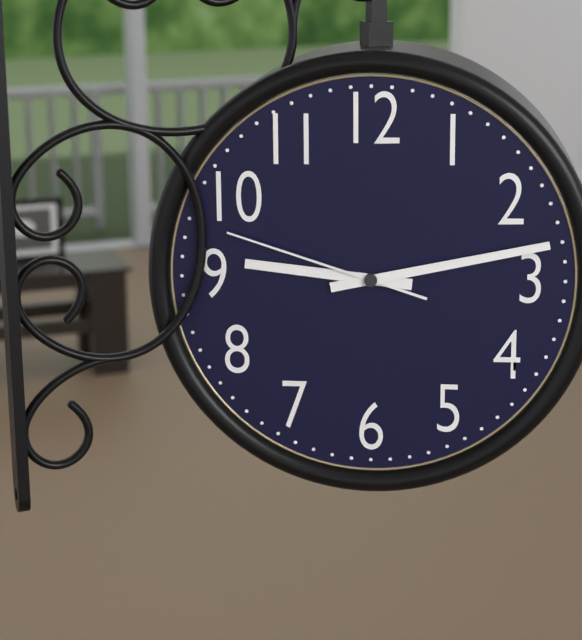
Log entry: 9:13:48
